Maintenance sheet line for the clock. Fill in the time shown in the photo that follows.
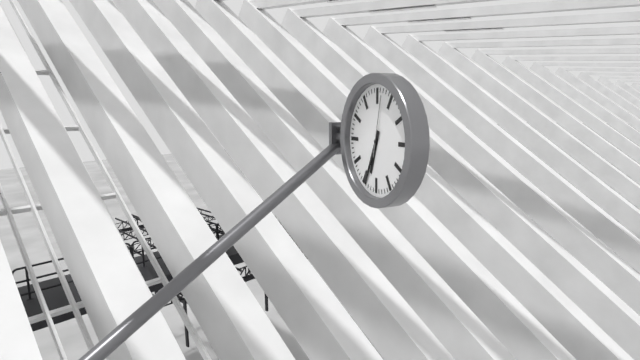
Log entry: 6:34:02
